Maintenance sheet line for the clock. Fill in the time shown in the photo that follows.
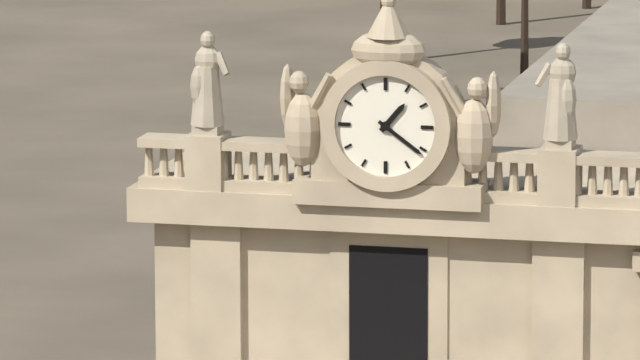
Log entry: 1:21
